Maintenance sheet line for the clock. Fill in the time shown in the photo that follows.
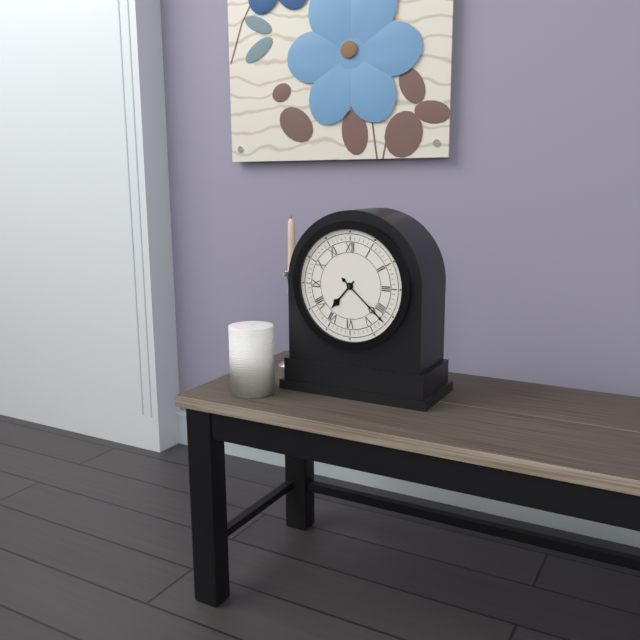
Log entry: 7:22
